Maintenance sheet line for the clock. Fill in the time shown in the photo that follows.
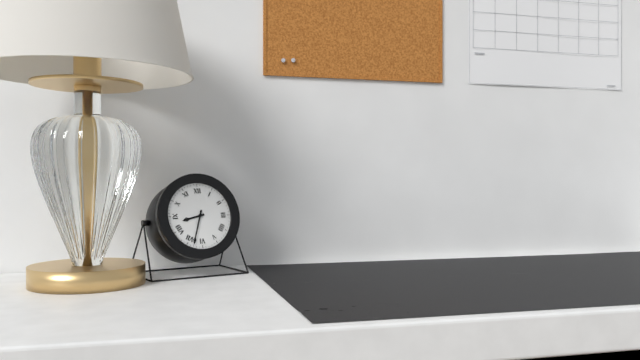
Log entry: 8:33
